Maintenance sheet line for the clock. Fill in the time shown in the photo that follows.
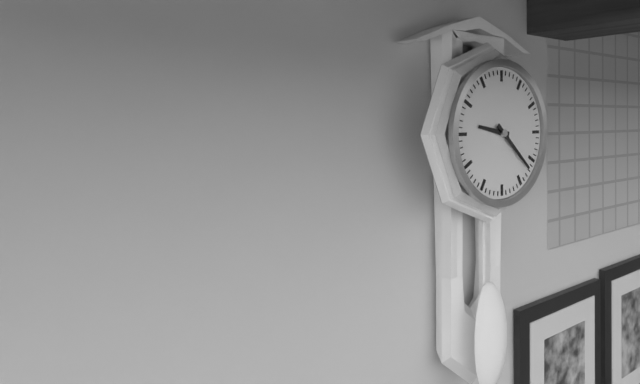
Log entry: 9:22
